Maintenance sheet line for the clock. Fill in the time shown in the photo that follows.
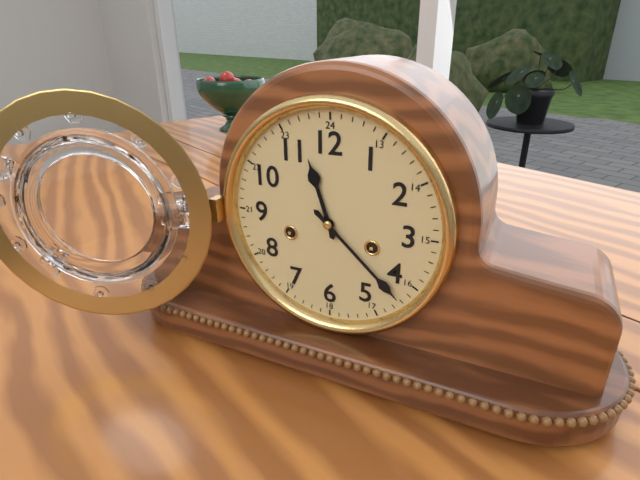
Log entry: 11:22
